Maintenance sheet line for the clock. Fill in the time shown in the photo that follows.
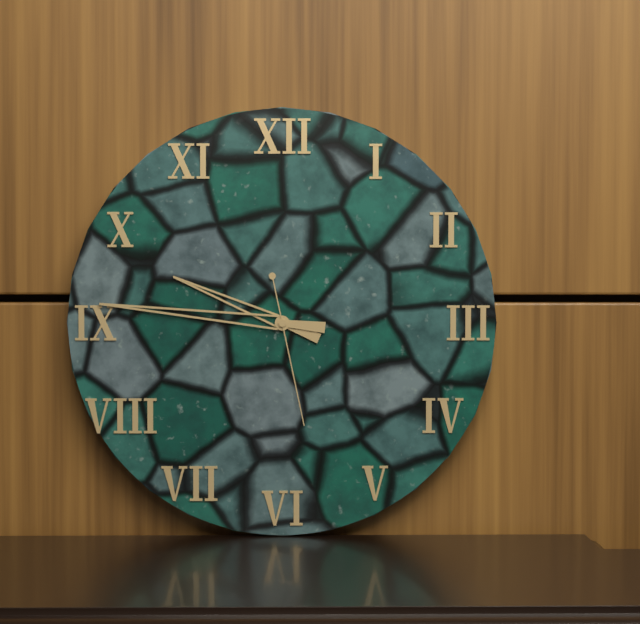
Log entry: 9:46:28
